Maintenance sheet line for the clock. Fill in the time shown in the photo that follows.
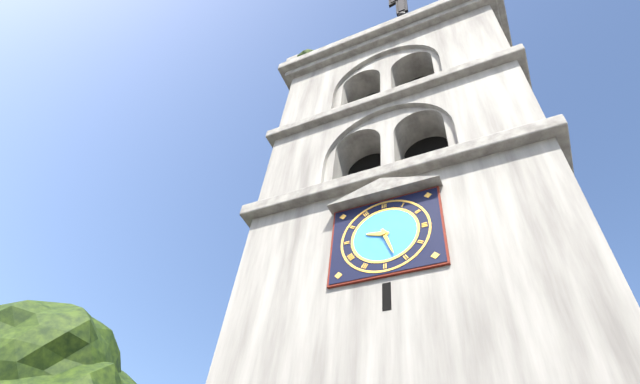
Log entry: 9:27
